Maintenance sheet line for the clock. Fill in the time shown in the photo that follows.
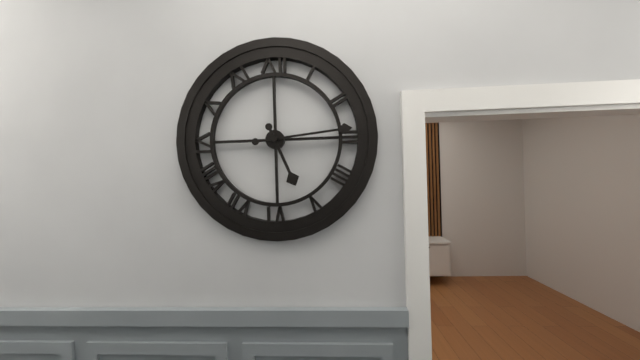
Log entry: 5:14
